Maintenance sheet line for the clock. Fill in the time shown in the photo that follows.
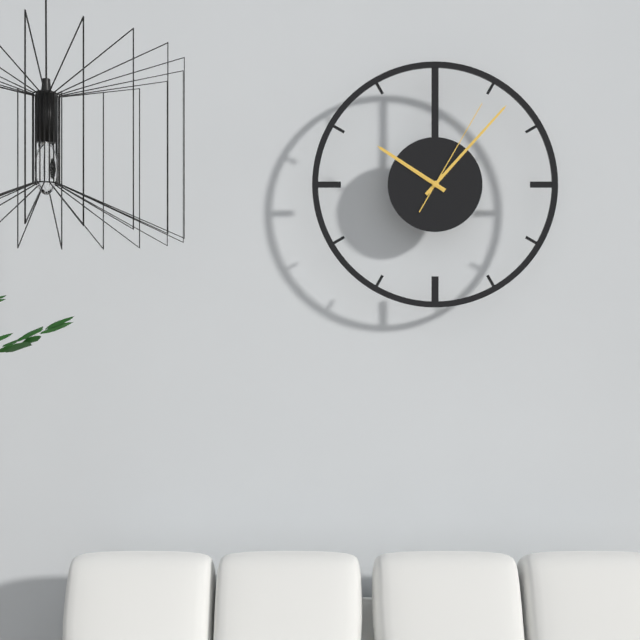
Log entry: 10:07:05
